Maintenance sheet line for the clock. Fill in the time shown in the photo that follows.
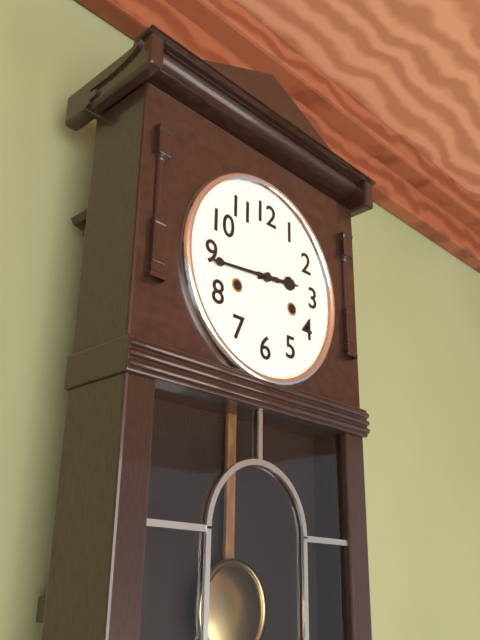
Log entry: 2:44
